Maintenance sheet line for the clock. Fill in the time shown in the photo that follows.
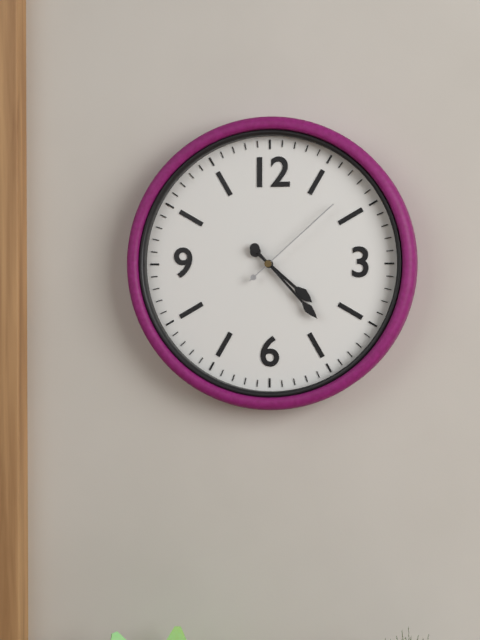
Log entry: 4:23:08
